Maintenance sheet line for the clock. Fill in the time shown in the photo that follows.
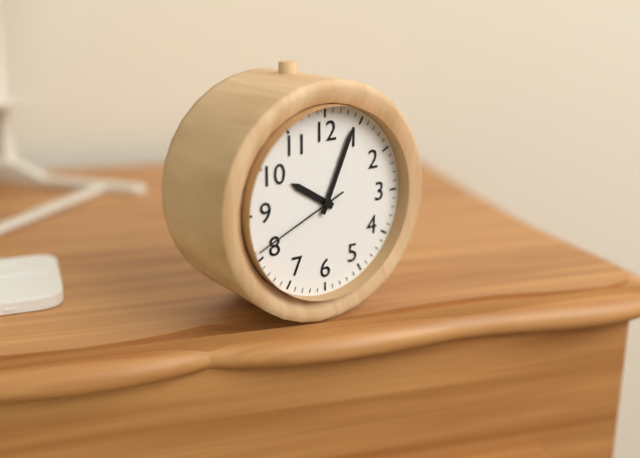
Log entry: 10:04:41
